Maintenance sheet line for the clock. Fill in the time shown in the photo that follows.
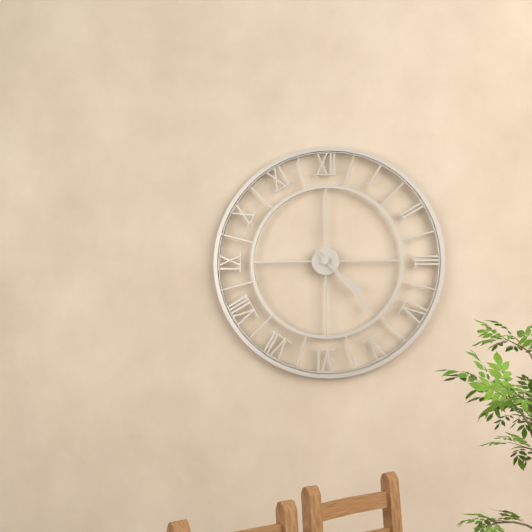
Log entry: 4:23
